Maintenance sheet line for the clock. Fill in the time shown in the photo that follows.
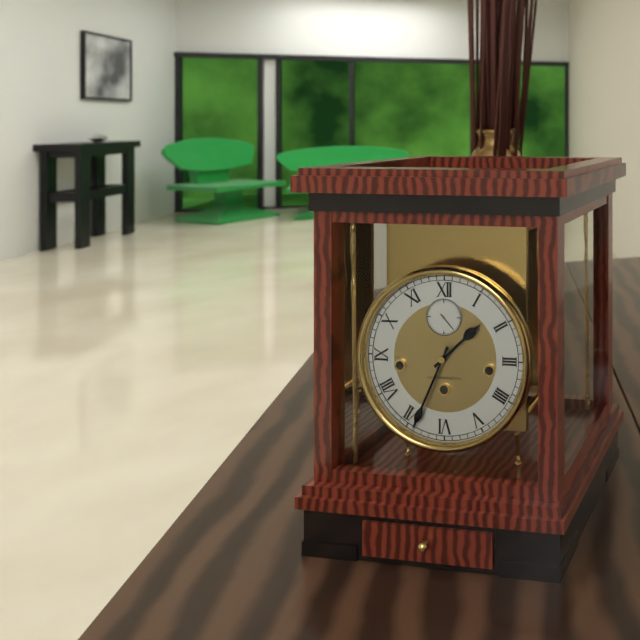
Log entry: 1:34
